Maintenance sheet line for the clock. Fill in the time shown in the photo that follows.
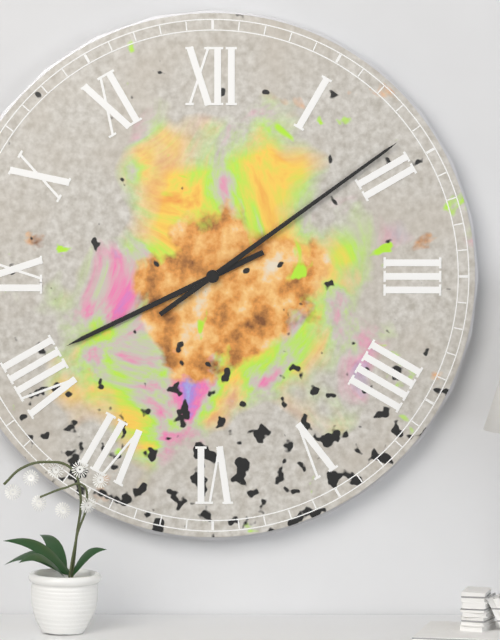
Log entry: 8:09
